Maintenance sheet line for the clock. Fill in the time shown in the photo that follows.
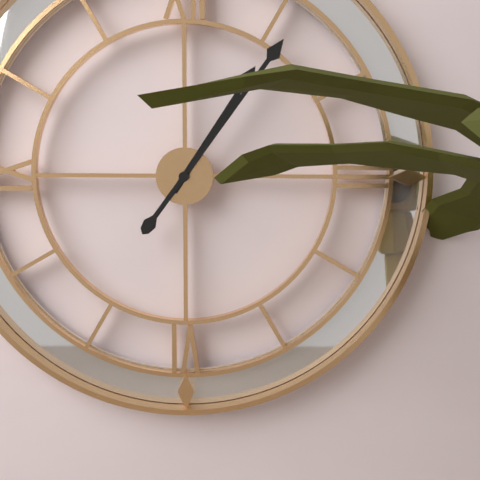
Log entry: 1:06
